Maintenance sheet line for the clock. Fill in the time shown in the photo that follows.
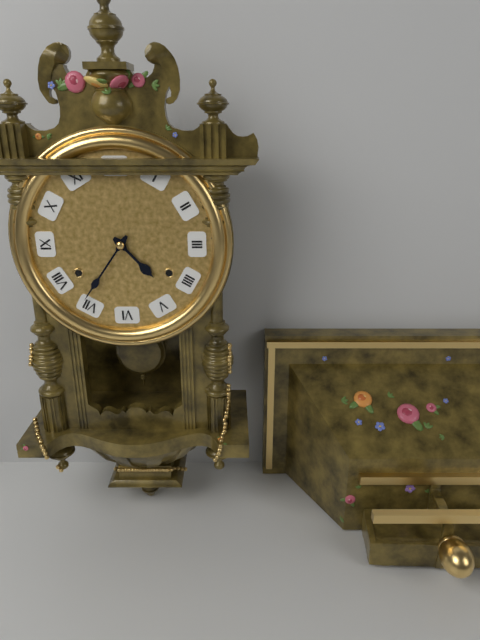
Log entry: 4:36
